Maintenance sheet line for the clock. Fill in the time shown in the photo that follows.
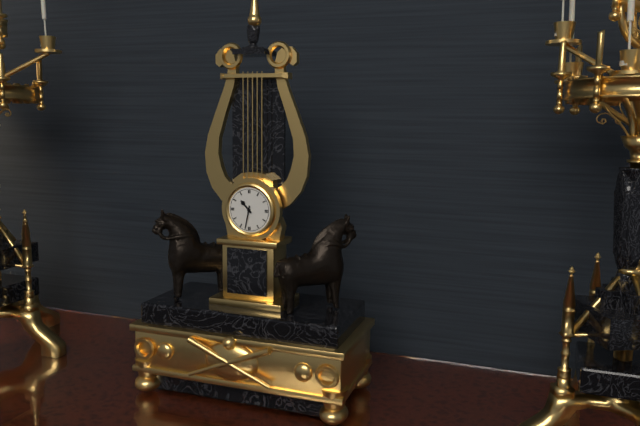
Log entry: 10:32
